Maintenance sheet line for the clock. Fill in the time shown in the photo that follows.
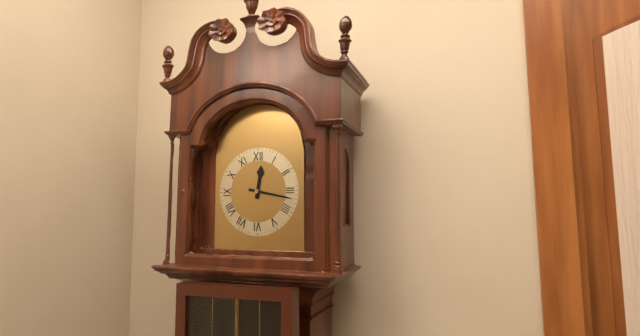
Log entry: 12:17
